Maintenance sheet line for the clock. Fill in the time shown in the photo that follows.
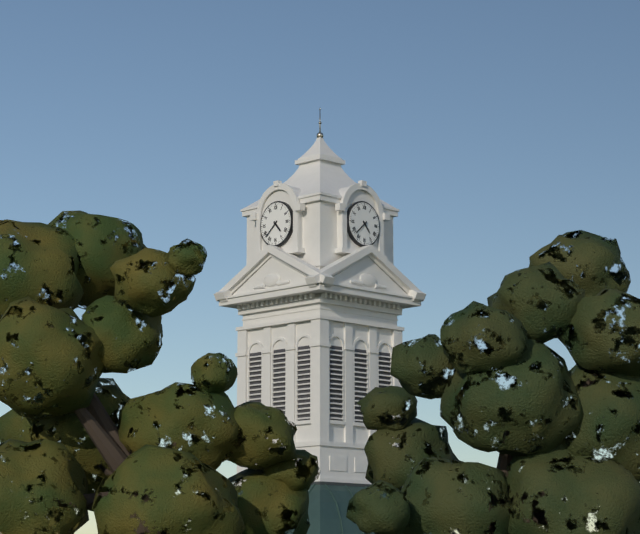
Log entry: 4:38
